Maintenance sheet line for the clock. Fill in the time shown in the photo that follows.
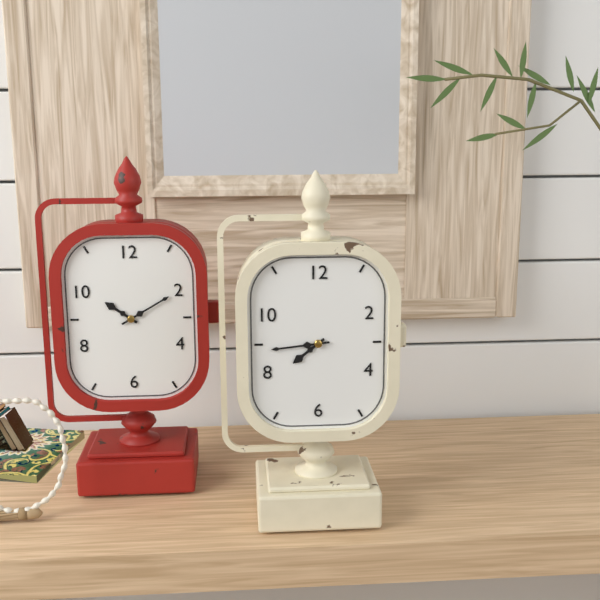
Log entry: 7:44
